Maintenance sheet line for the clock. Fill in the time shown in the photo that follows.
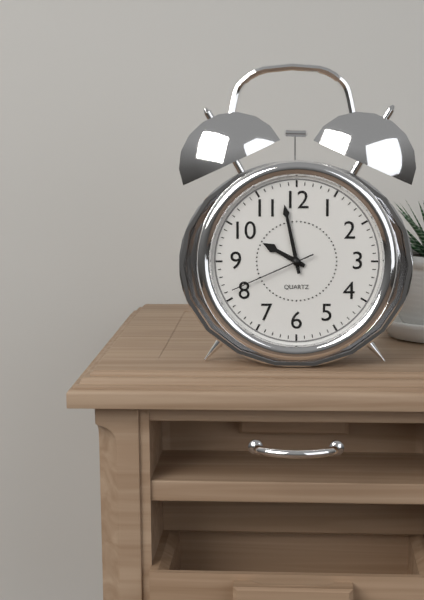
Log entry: 9:58:41
